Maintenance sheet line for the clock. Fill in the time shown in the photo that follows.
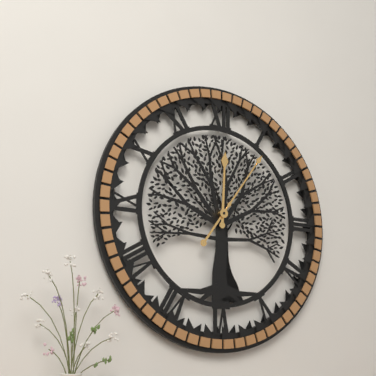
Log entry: 12:06
